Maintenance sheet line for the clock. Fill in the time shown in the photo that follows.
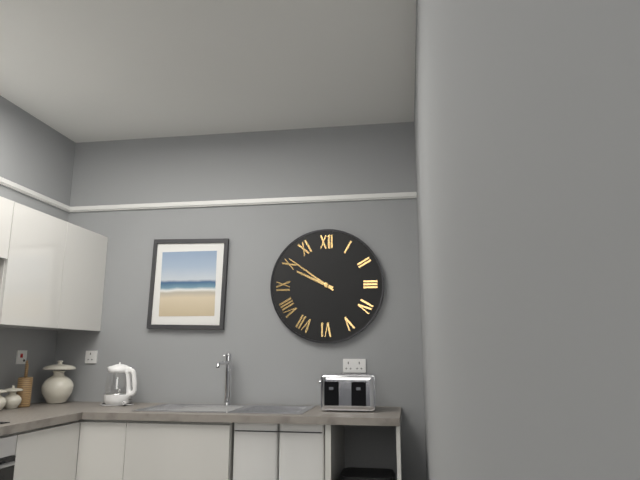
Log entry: 9:51
